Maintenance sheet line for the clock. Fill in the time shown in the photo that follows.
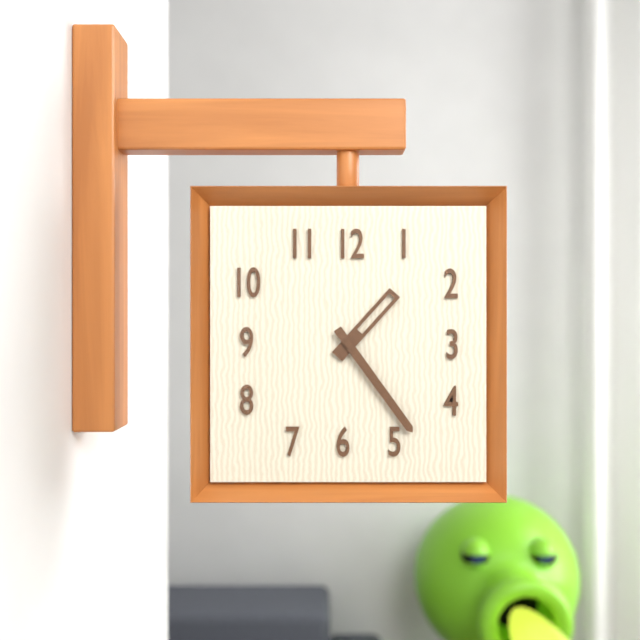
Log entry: 1:24
